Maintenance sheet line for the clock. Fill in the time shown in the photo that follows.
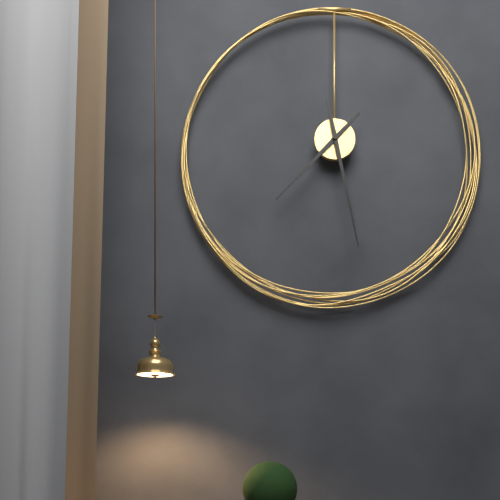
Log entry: 7:28
